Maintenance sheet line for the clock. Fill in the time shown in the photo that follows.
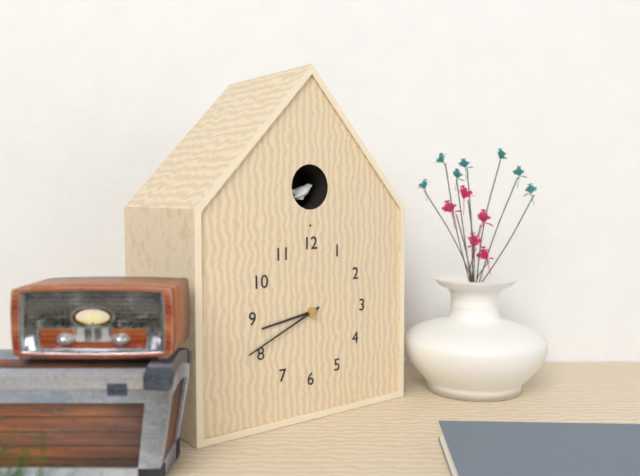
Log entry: 8:41
